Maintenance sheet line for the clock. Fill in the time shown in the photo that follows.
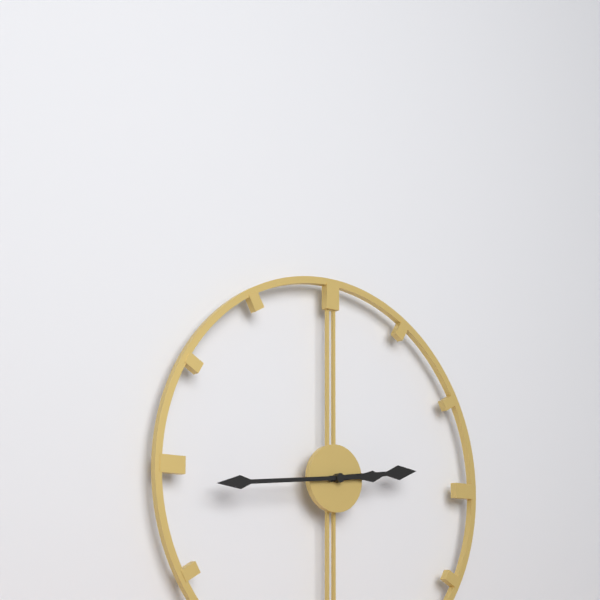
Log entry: 2:44
